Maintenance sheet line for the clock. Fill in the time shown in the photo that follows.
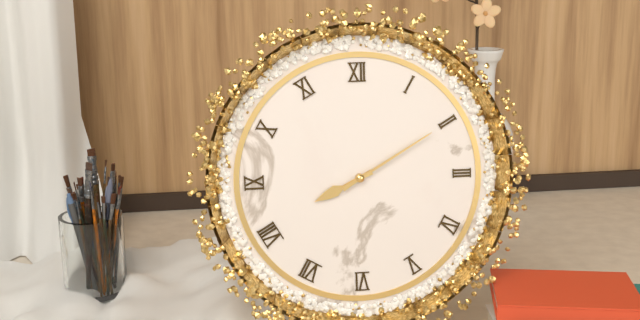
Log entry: 8:10
